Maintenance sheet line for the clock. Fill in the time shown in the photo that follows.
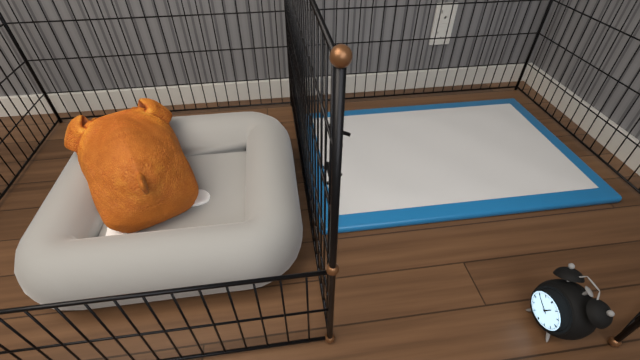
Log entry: 12:50
